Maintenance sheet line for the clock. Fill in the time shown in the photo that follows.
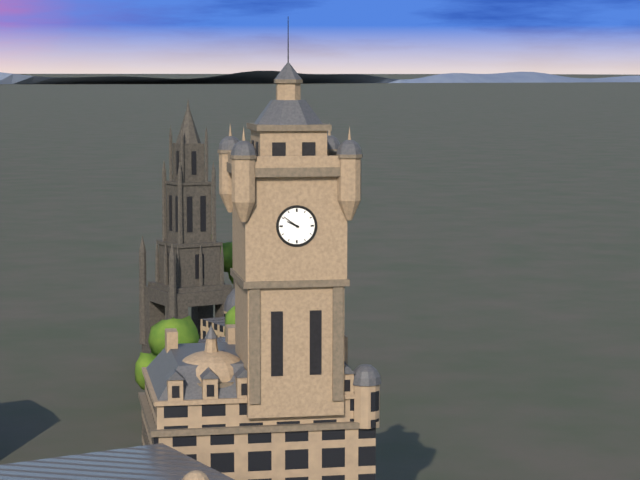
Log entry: 9:51
